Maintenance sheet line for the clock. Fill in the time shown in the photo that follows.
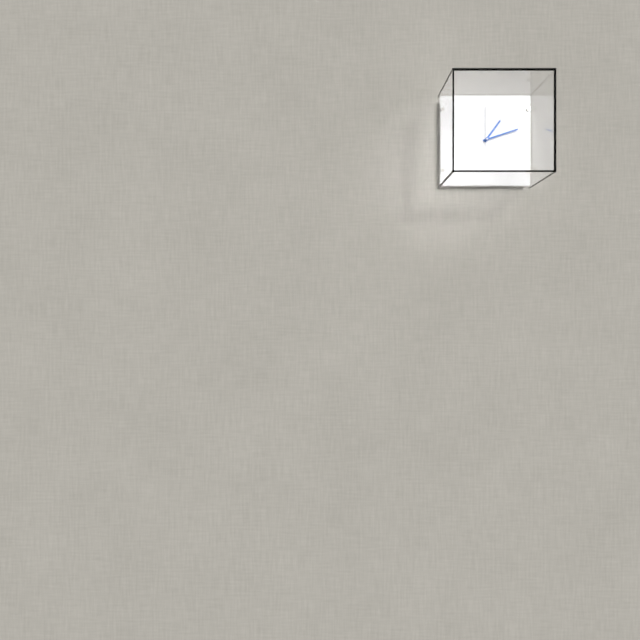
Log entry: 1:12
